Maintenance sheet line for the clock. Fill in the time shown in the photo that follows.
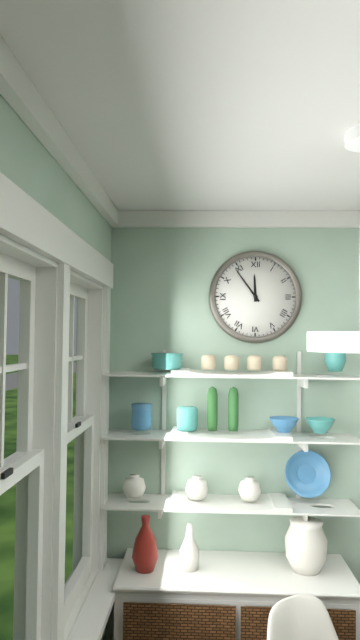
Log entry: 11:54
